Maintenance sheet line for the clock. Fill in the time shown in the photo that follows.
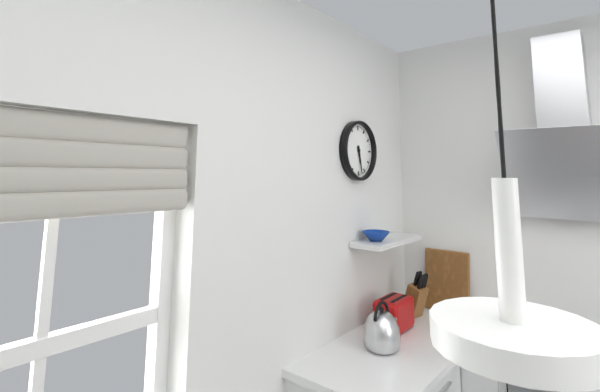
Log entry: 5:28
